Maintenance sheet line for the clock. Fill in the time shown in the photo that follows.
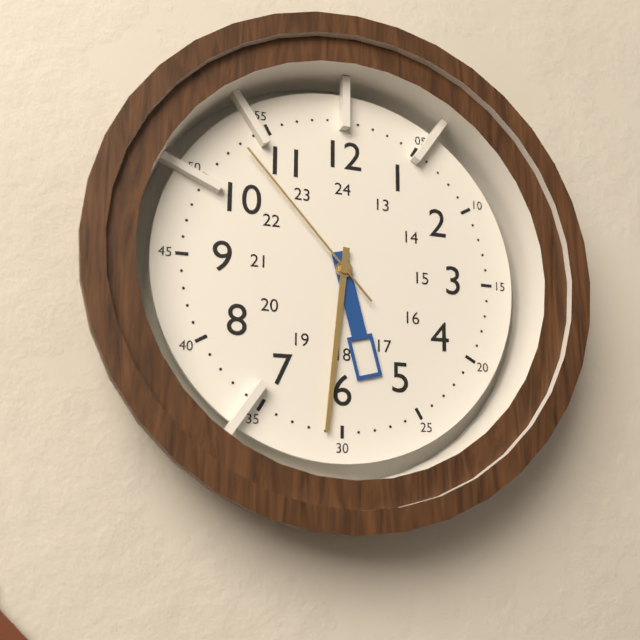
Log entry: 5:31:53
